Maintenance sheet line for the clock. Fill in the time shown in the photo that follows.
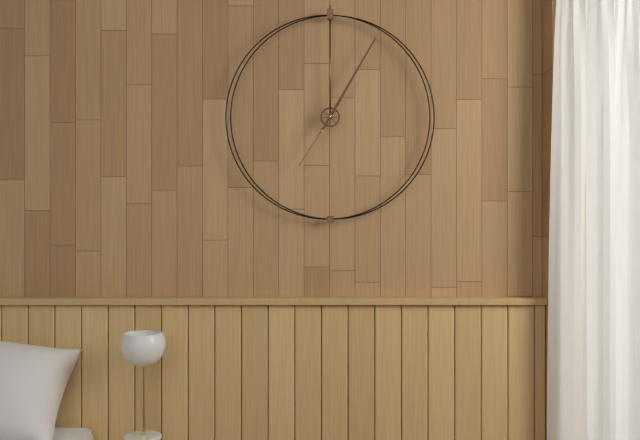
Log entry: 7:05
